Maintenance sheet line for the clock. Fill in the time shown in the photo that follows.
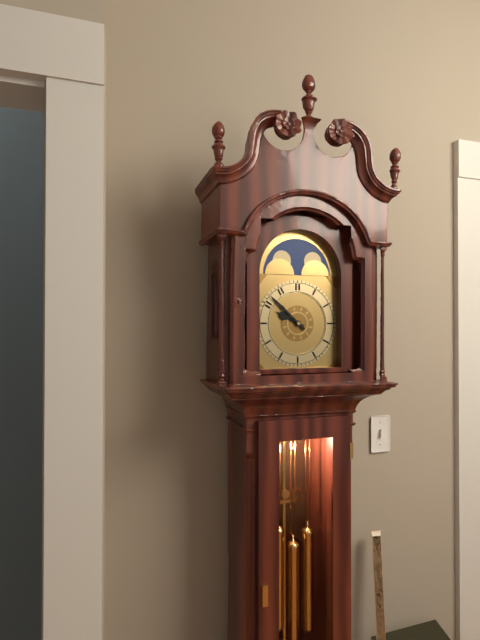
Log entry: 9:52
